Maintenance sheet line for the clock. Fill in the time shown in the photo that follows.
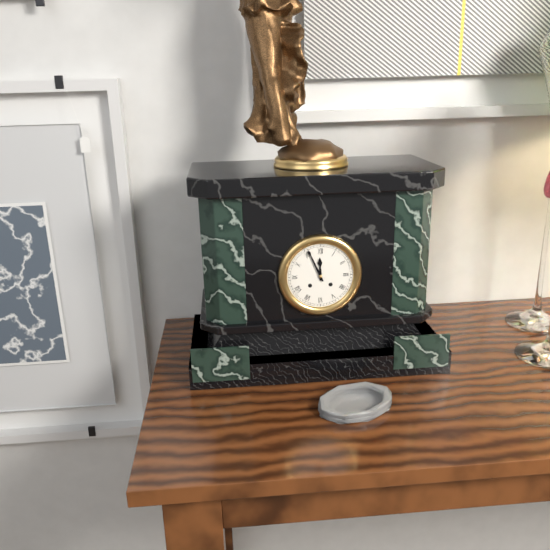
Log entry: 11:56
